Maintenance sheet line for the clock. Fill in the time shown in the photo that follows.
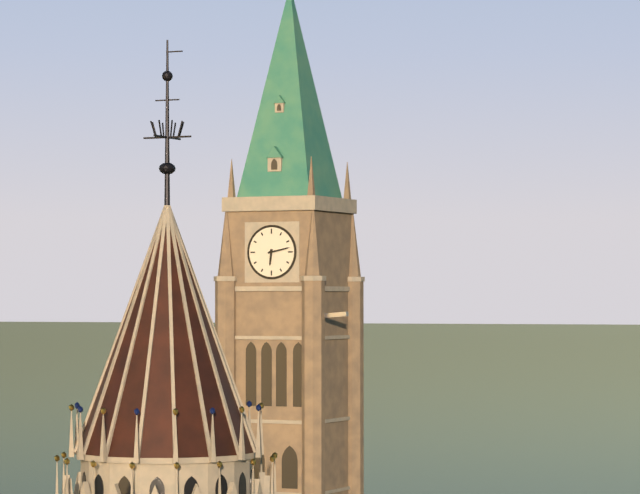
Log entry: 6:13
